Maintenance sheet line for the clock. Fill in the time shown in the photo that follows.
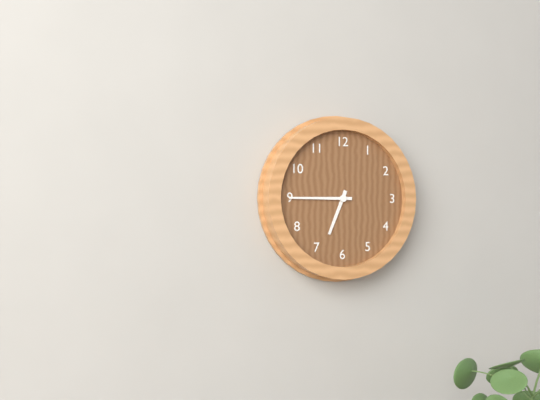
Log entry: 6:45
